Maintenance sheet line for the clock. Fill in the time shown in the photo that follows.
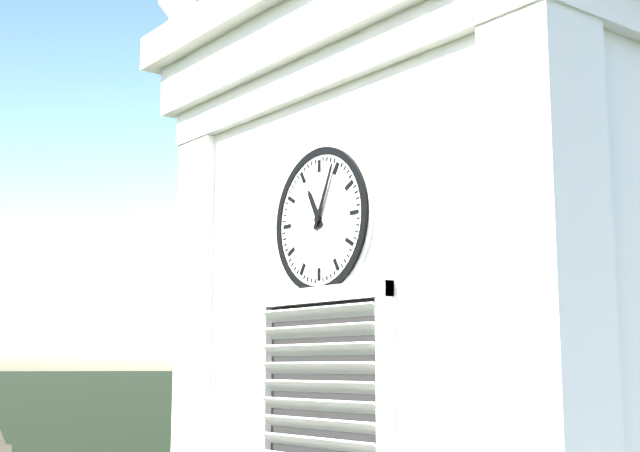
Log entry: 11:04
